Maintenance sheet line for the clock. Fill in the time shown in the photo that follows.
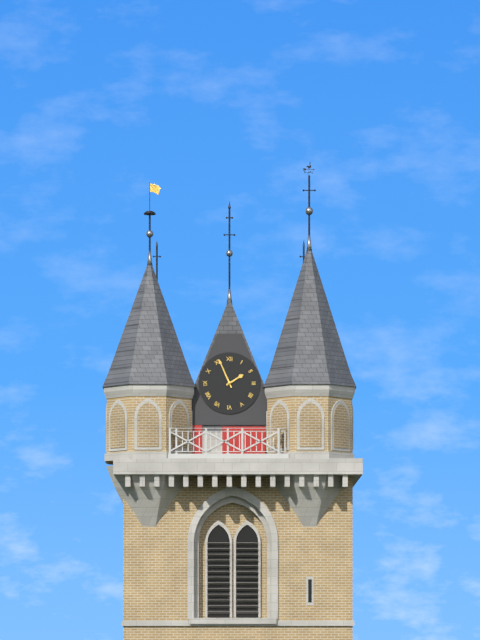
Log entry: 1:56
